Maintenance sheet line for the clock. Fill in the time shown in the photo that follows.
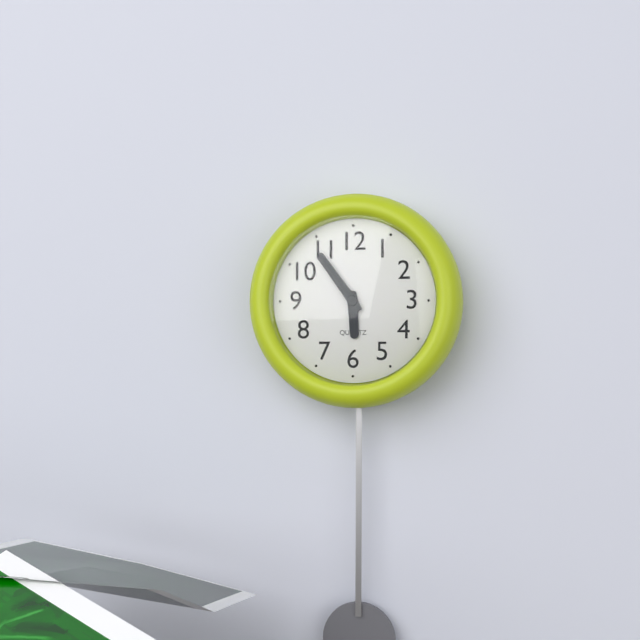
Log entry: 5:54
